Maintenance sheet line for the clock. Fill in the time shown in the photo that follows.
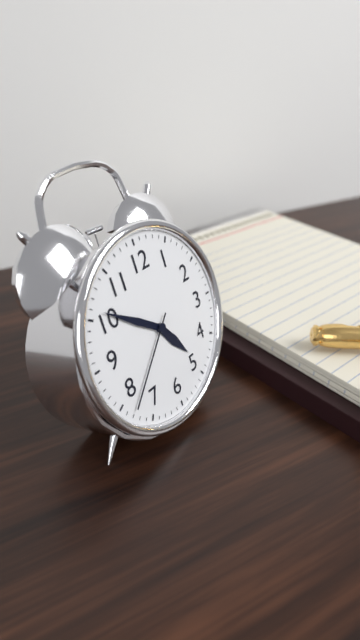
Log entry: 4:51:38
